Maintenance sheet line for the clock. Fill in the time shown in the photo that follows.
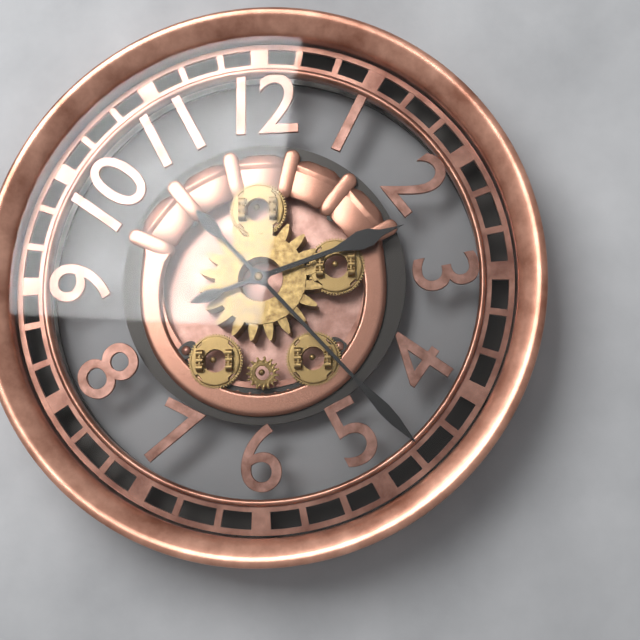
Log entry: 2:23
